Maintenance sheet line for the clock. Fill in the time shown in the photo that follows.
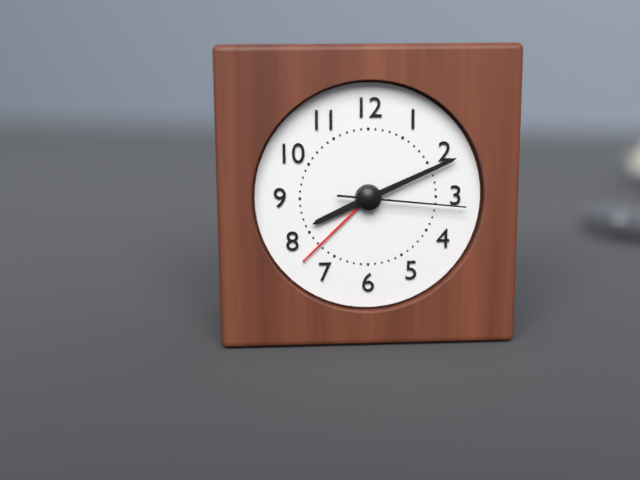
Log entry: 8:11:16
